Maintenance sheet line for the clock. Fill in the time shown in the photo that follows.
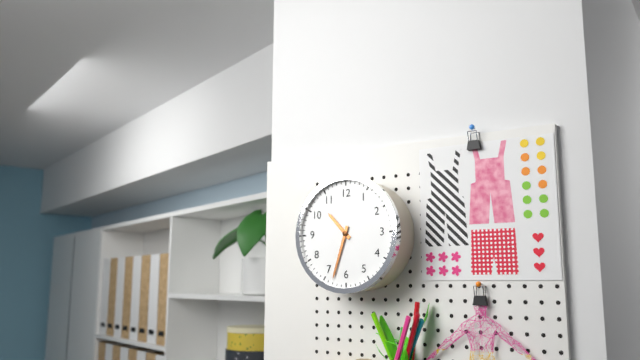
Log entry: 10:33
